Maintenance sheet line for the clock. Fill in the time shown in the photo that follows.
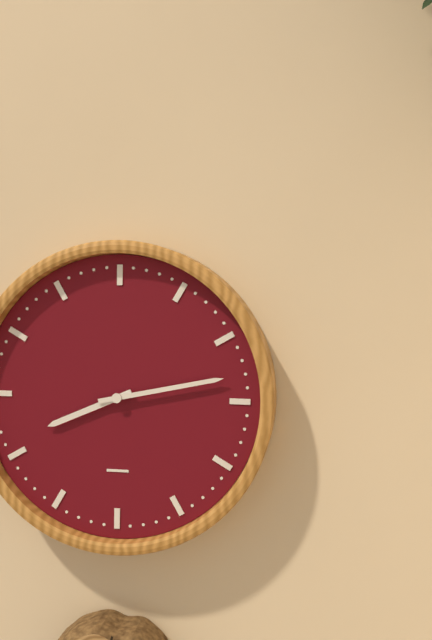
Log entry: 8:13
